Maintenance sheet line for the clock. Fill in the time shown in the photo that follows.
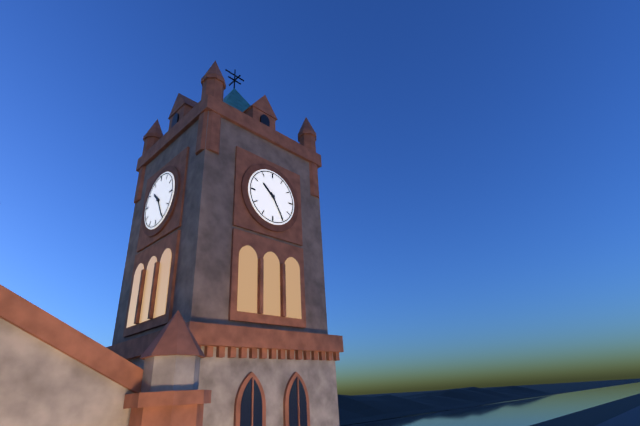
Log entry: 10:25
